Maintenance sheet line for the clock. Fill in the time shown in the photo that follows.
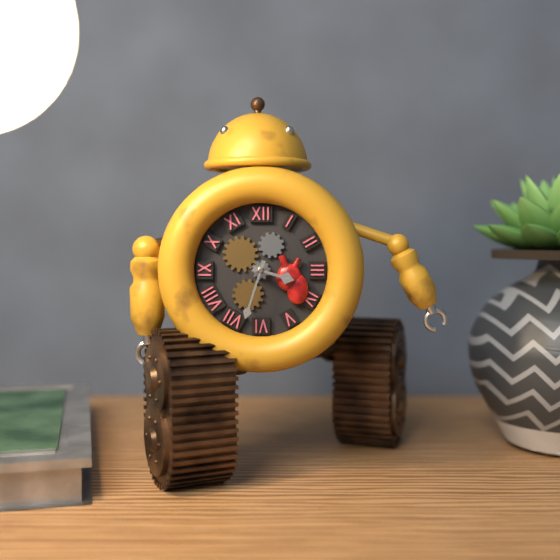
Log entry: 3:33
